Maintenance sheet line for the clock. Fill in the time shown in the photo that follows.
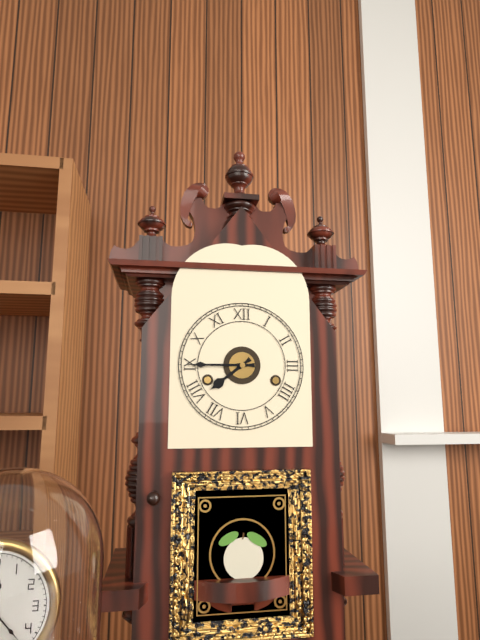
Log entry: 7:45
